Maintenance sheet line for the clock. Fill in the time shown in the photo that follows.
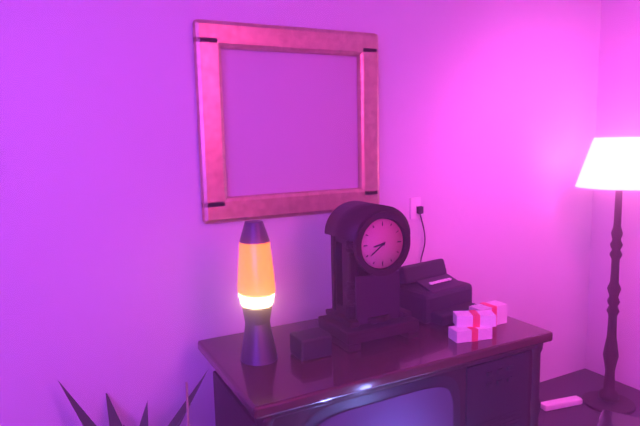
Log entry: 8:39
